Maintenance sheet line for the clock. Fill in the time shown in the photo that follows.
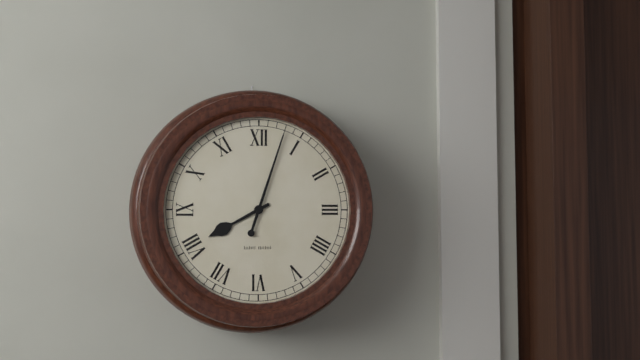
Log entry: 8:03
